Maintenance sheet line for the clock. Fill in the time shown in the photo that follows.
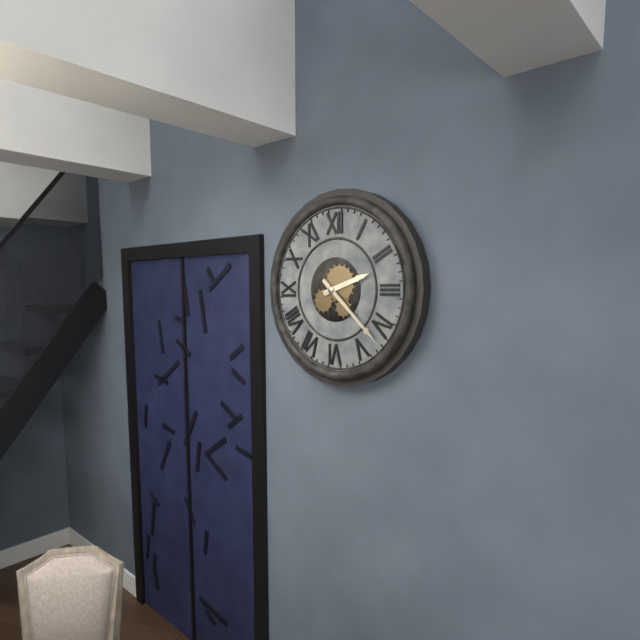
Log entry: 2:22
